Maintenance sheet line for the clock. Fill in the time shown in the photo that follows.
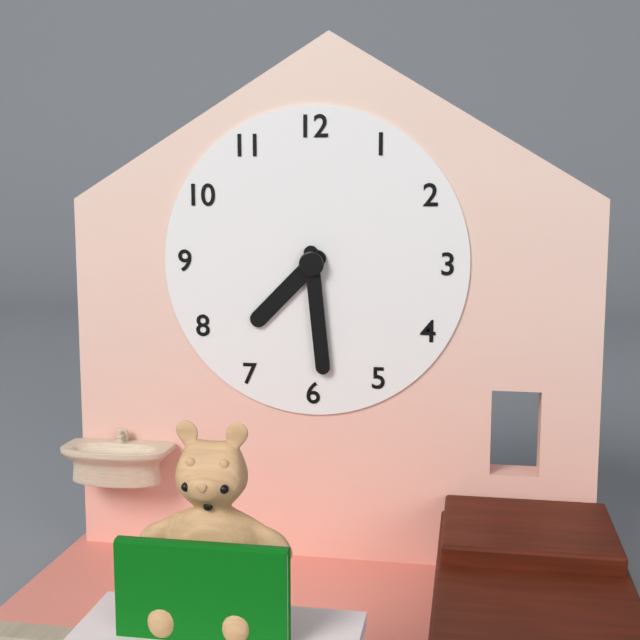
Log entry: 7:29
